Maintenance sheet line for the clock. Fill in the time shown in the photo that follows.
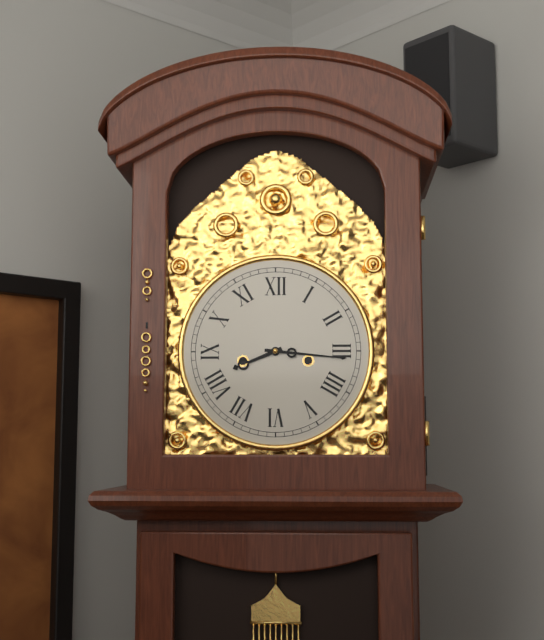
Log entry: 8:16
